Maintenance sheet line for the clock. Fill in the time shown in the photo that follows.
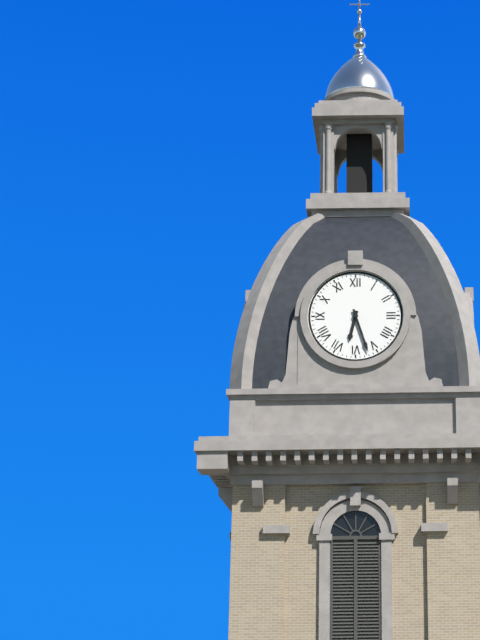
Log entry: 6:27
